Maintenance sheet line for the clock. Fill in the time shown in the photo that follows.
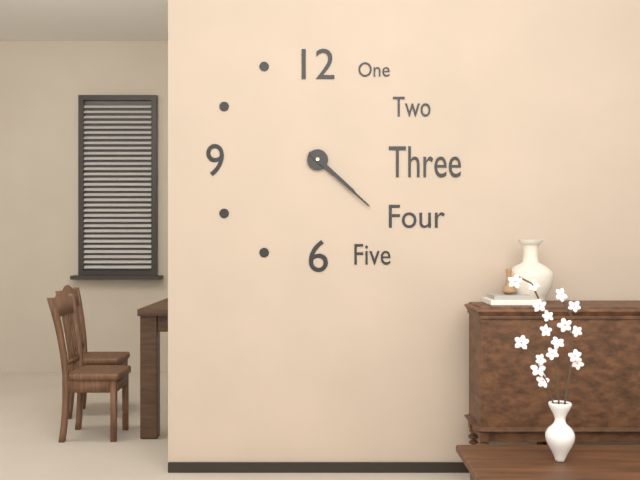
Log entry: 4:22
